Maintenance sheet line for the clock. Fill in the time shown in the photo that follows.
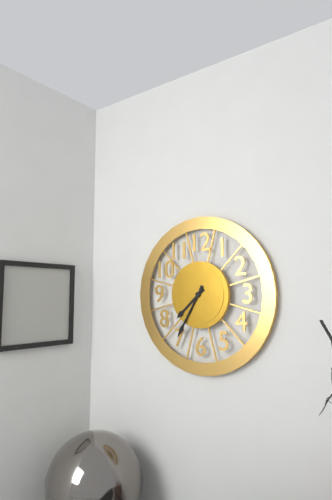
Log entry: 7:35
